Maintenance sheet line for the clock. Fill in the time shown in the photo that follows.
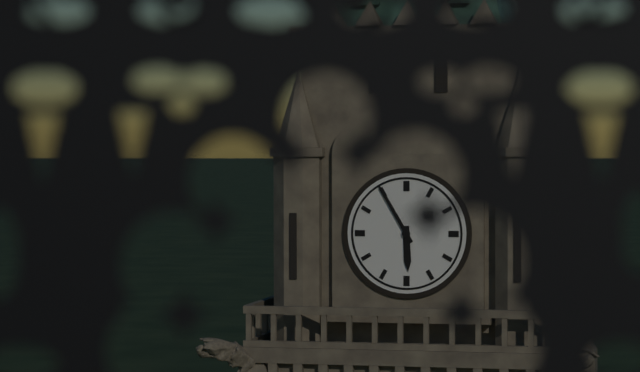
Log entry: 5:55
